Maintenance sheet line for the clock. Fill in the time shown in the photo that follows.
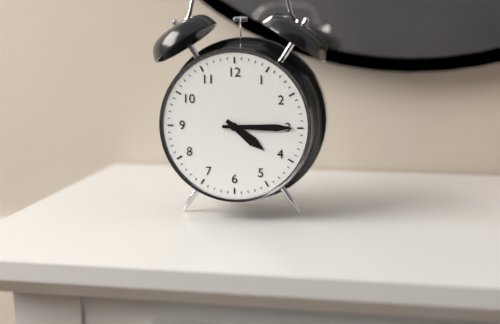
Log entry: 4:15
